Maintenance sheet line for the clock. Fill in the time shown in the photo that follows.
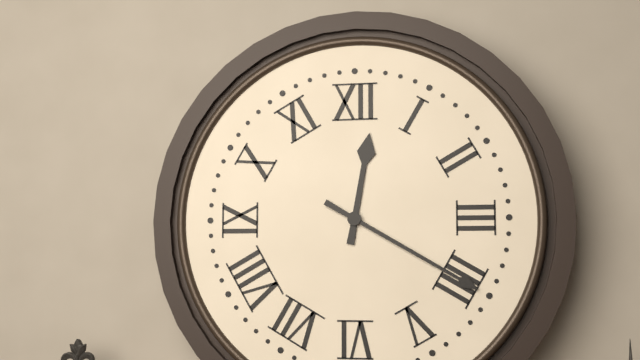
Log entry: 12:20
